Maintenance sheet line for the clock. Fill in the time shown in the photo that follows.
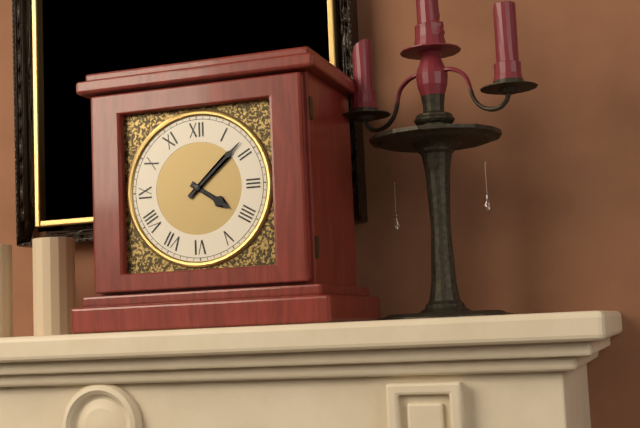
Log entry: 4:08
